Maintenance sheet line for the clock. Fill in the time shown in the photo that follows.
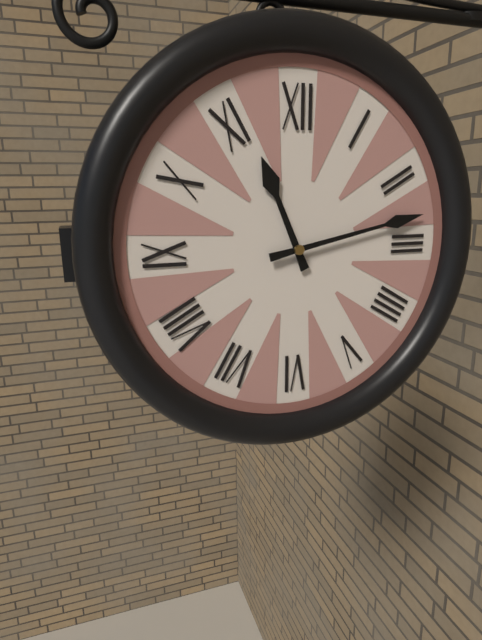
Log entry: 11:13
